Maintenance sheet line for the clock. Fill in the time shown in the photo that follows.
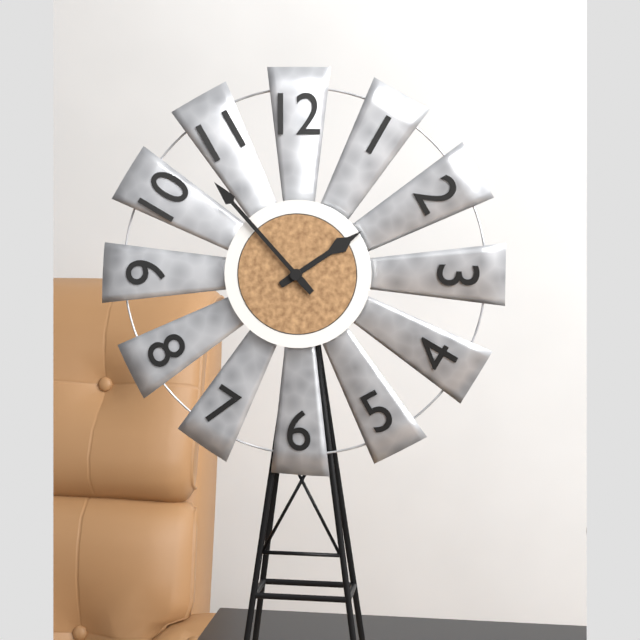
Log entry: 1:53
